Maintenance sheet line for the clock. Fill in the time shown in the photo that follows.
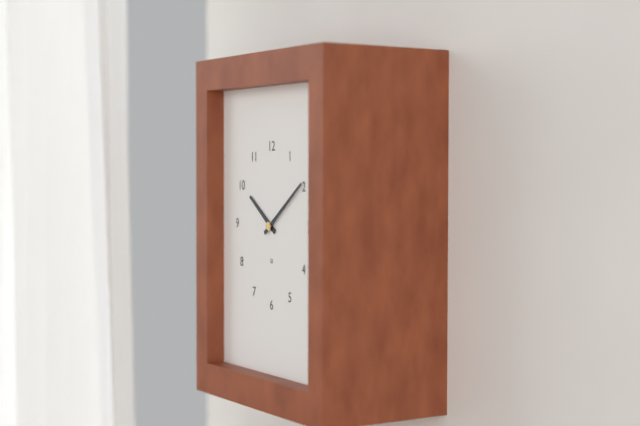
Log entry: 10:09
